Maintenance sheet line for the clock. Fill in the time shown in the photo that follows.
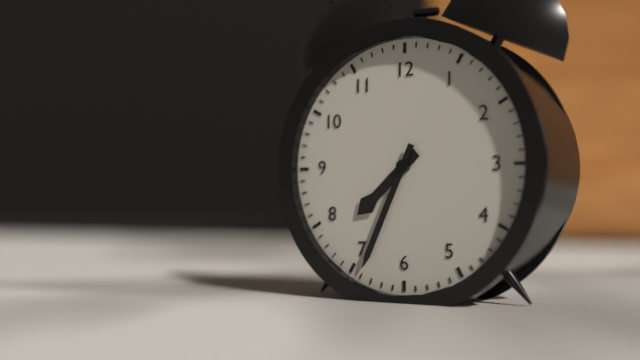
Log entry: 7:34
